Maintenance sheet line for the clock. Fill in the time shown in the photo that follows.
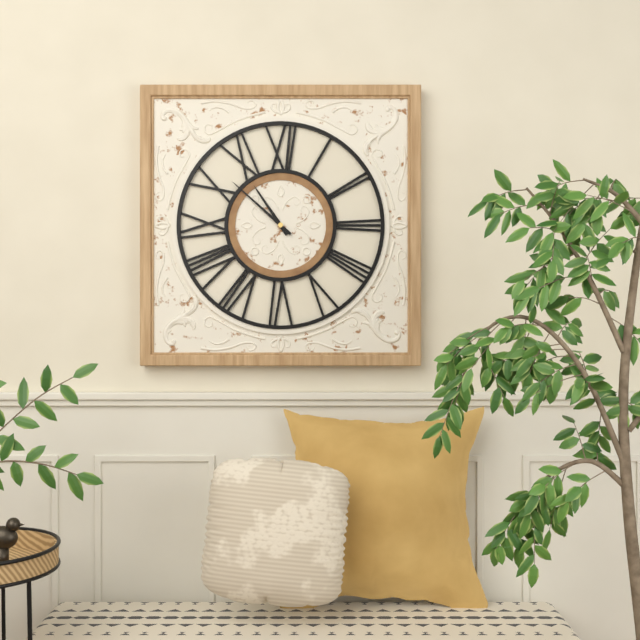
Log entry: 10:52
